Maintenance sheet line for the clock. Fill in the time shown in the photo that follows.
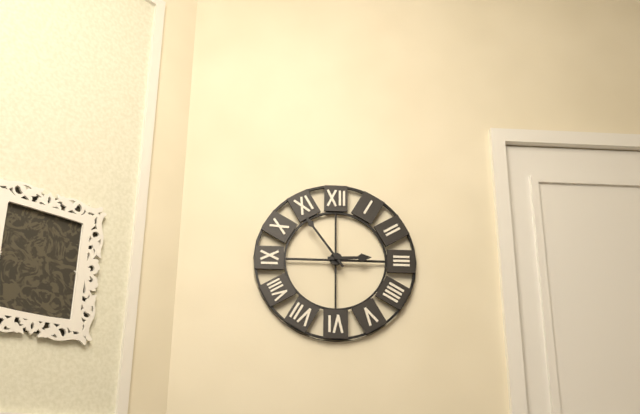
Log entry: 2:54
